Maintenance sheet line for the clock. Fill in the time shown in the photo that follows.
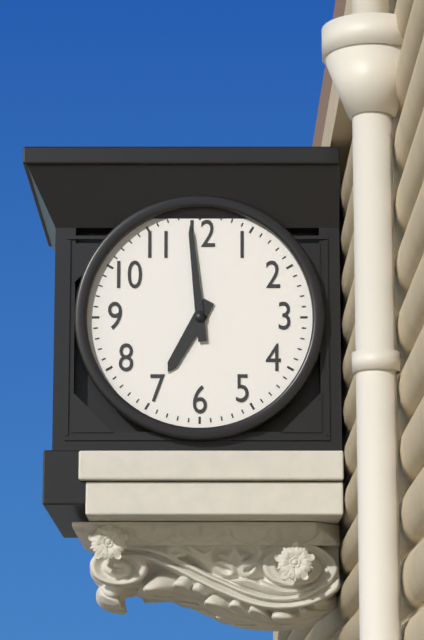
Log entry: 6:59
